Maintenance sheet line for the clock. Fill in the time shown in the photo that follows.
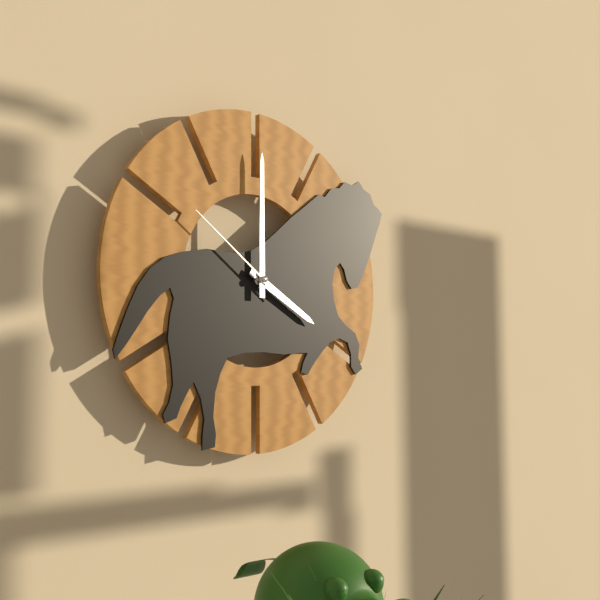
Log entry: 4:00:51
